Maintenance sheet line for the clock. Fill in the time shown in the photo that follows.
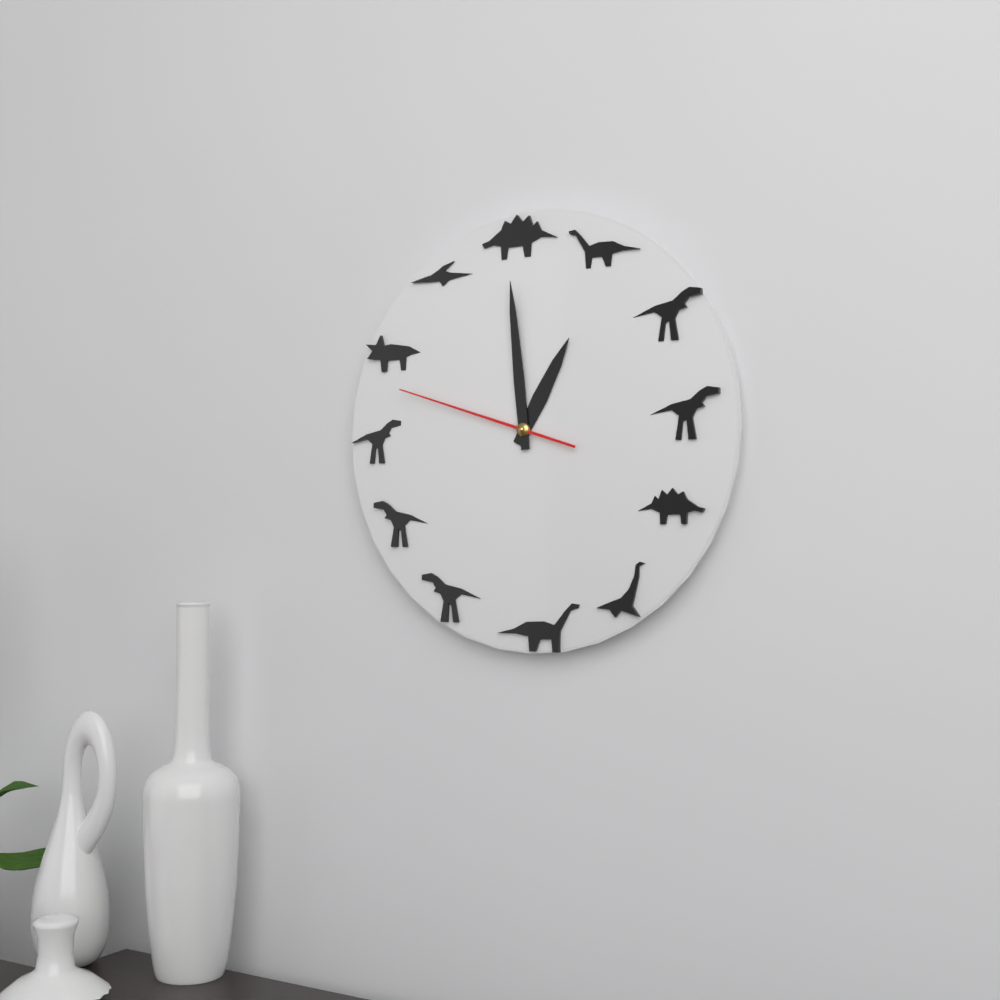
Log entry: 12:59:48
